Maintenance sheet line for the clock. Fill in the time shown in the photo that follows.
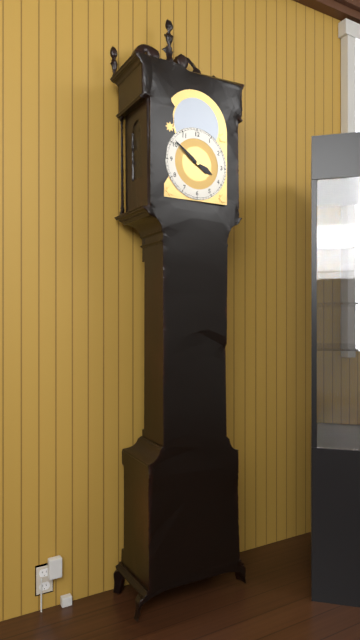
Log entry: 3:51
